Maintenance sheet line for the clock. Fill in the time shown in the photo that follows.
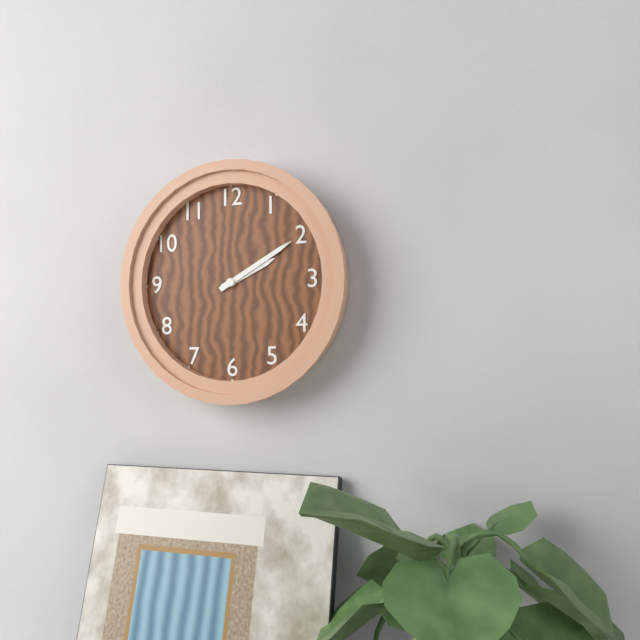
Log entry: 2:10
